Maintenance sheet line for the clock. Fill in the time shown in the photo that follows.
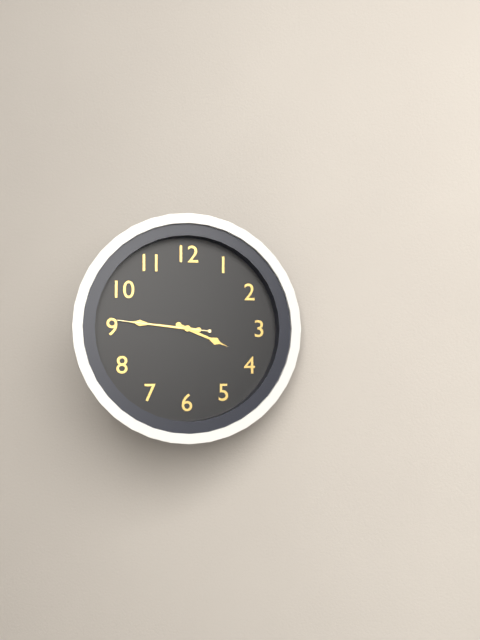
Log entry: 3:46:46
